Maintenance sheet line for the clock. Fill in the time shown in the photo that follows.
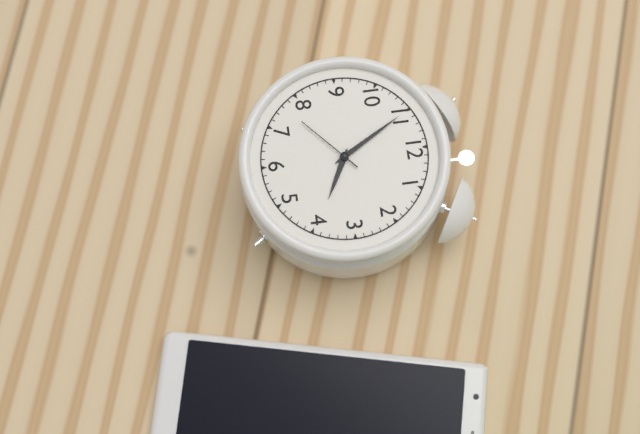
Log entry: 3:55:38
